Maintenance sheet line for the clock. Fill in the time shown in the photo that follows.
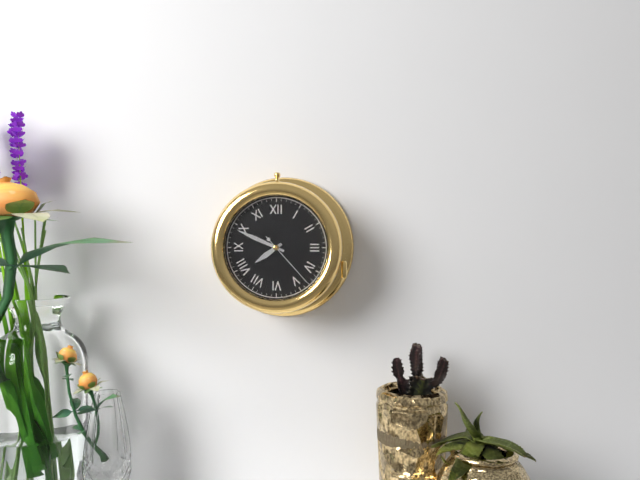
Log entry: 7:49:23
